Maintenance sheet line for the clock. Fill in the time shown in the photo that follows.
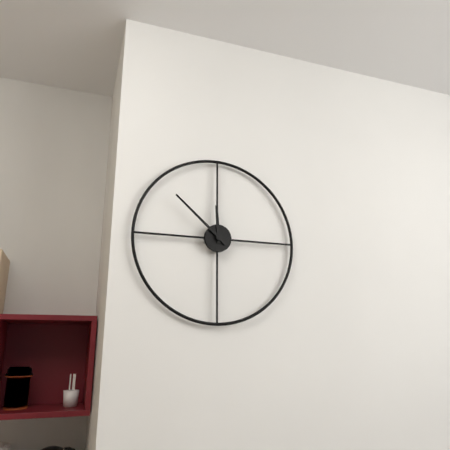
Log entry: 11:52
